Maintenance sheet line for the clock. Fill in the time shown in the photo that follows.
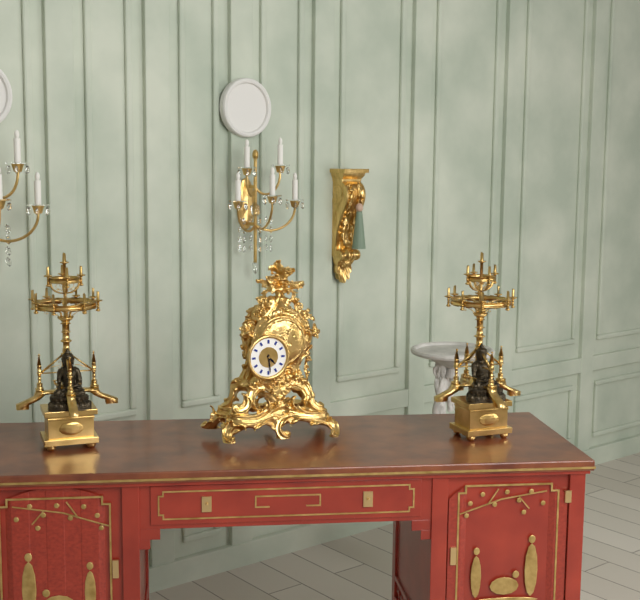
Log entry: 4:29
